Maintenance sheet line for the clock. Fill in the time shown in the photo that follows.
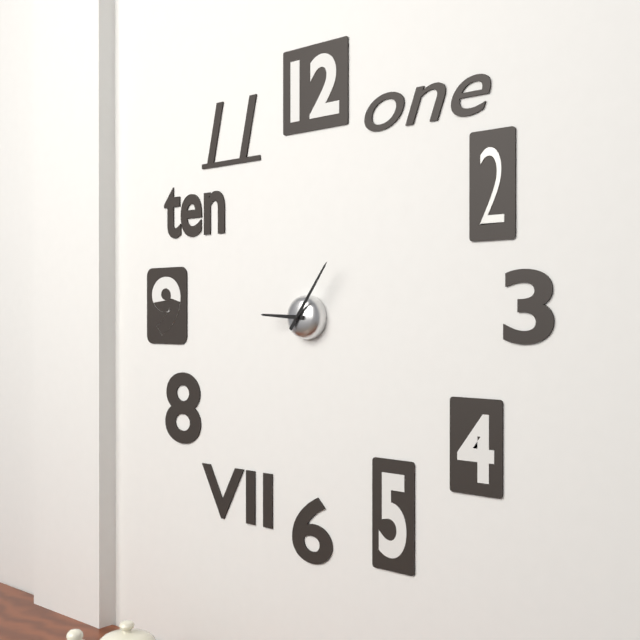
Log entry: 9:06
